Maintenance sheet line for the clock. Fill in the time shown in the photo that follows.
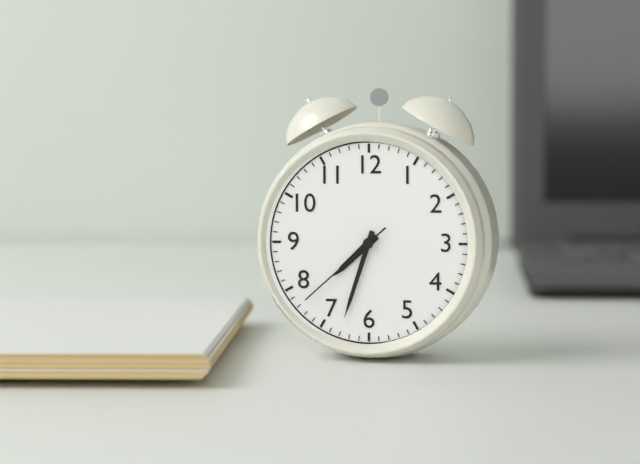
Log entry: 7:33:38
